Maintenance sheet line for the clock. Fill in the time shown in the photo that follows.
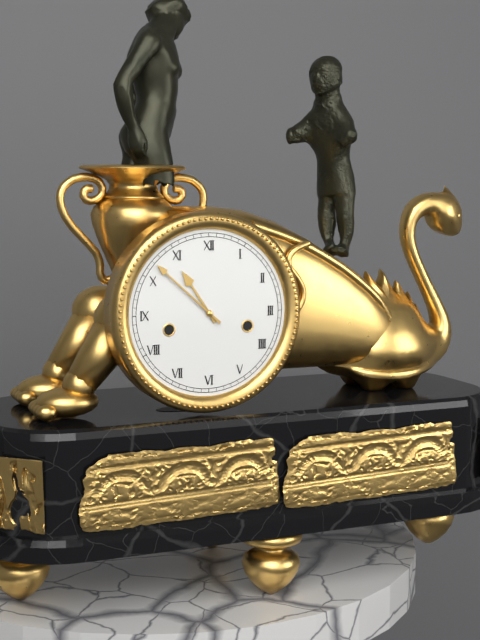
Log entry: 10:52
